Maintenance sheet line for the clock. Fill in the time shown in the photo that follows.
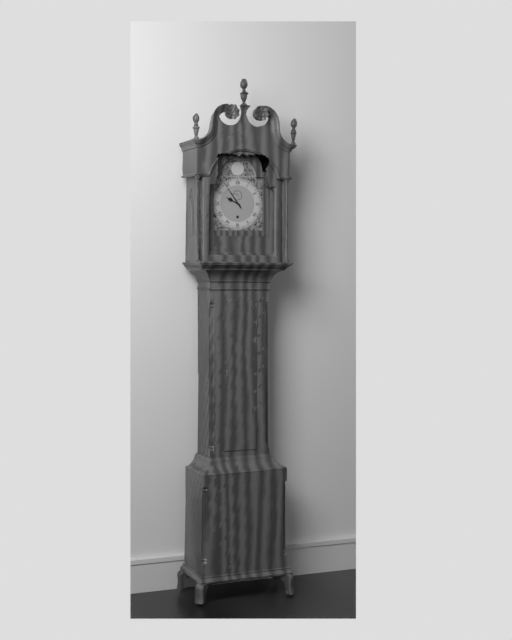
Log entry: 9:54
